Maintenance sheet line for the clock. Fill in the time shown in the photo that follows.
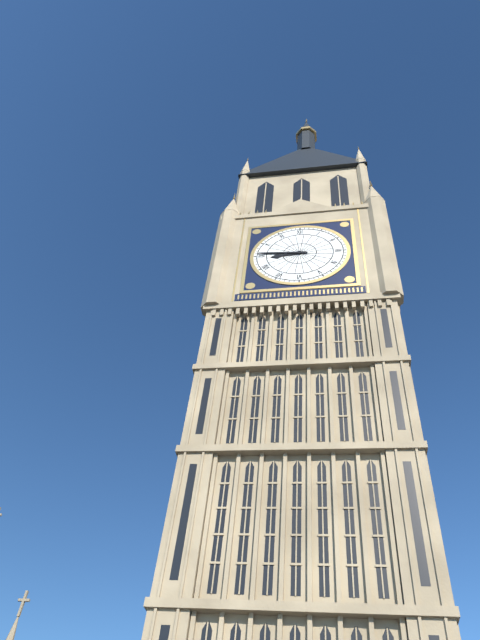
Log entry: 8:46
